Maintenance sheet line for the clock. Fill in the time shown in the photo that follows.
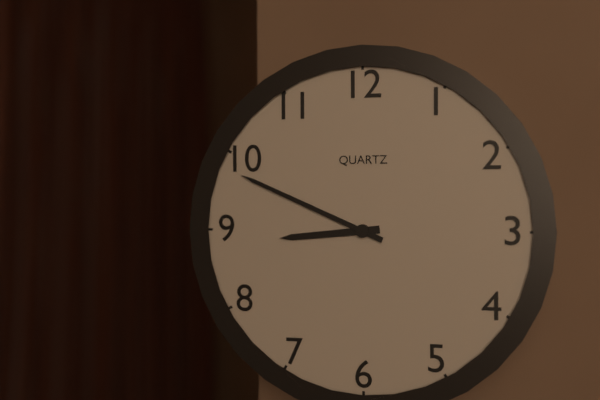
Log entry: 8:49
